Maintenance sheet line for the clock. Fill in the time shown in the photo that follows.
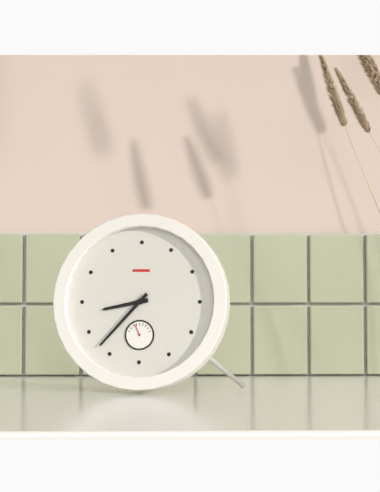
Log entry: 8:37
